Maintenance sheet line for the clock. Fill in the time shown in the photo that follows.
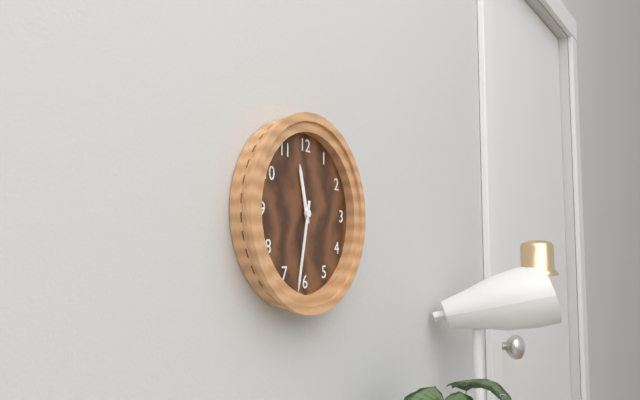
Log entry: 11:32
